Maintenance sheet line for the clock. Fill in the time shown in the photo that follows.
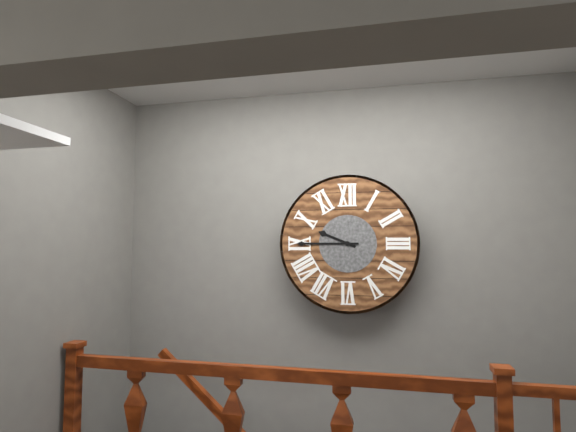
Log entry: 9:45
